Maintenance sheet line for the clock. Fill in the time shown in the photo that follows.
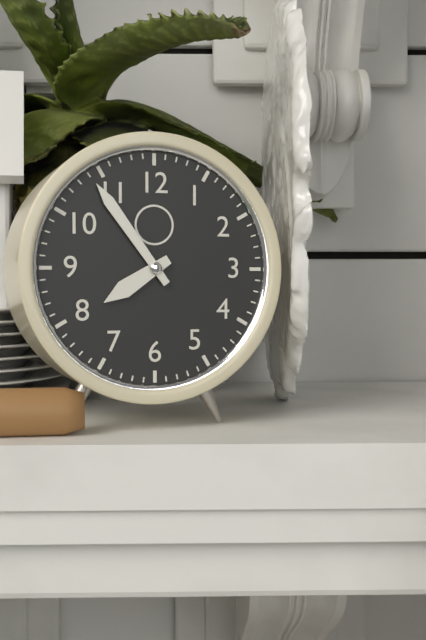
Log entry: 7:54
